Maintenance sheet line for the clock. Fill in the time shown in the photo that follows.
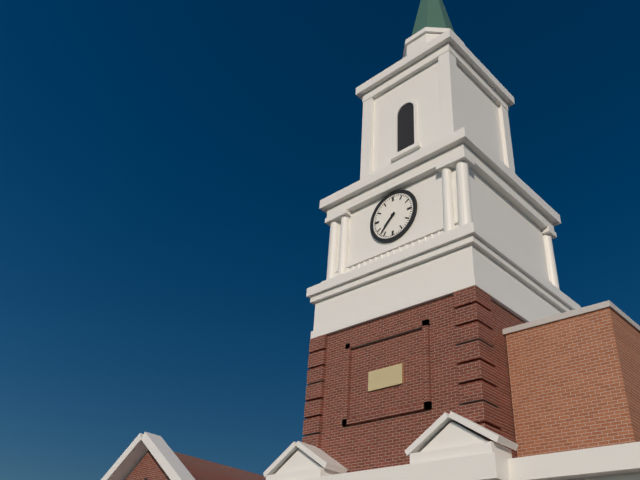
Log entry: 7:37
